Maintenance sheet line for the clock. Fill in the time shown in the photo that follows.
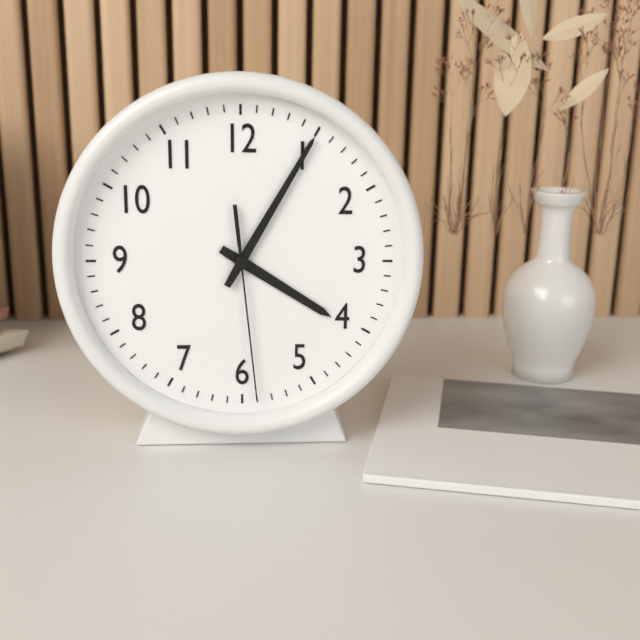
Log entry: 4:05:29
